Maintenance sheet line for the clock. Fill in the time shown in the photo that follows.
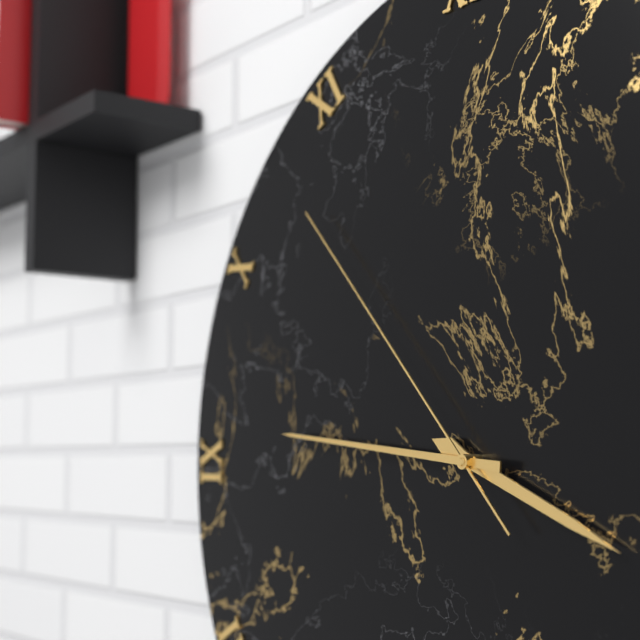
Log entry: 3:46:53
